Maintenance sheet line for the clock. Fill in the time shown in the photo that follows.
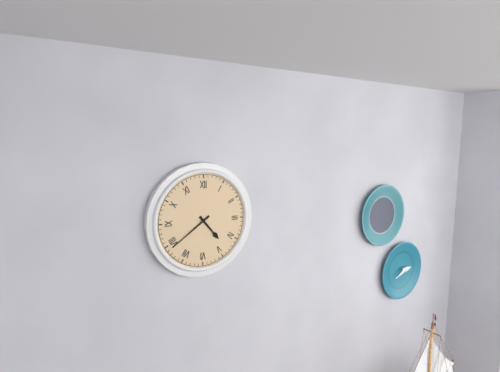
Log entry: 4:39
